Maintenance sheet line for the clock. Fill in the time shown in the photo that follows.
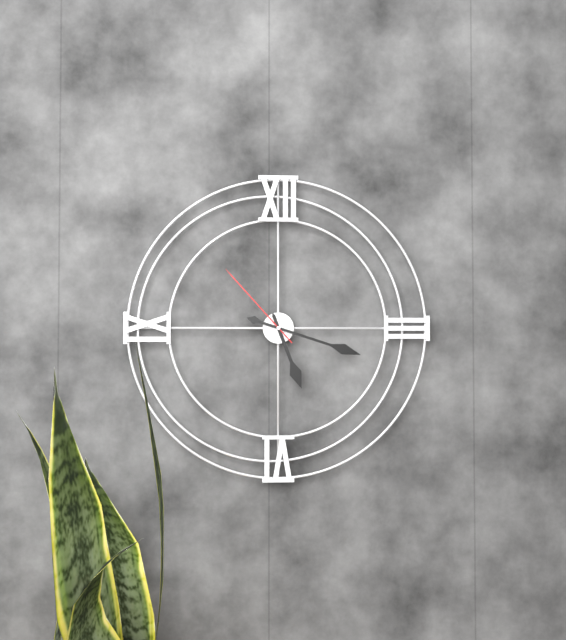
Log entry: 5:18:53
